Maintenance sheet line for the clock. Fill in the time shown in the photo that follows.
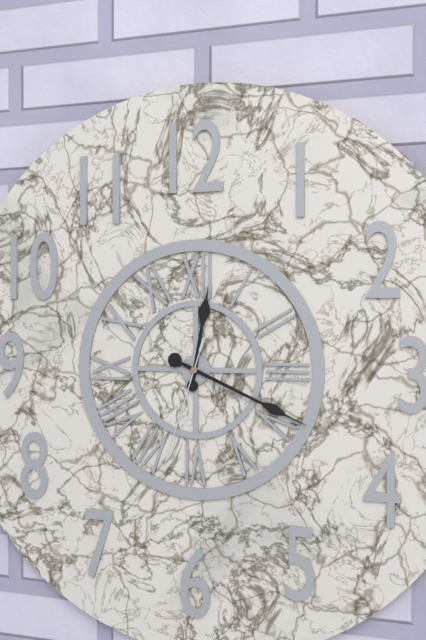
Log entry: 12:19:33
